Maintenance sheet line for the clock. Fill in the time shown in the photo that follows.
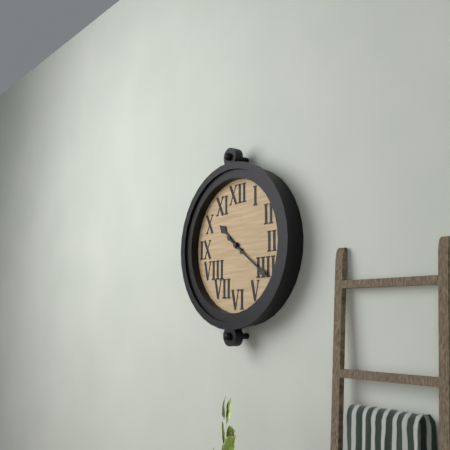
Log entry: 10:21
